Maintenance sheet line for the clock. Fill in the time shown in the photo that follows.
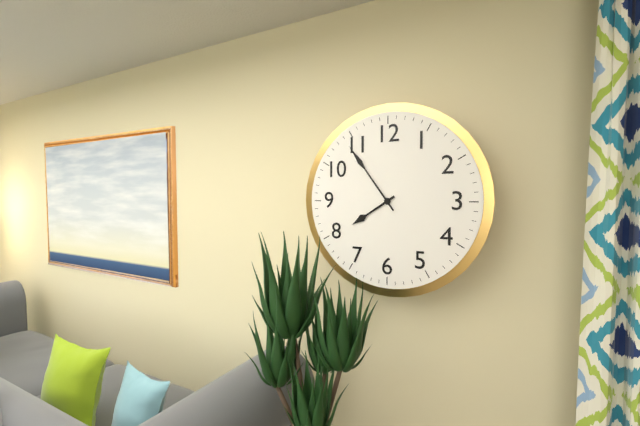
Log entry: 7:54
